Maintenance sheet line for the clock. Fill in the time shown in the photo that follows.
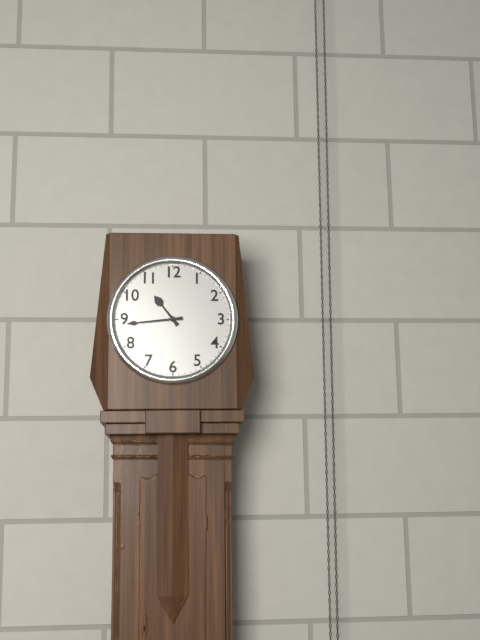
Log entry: 10:44
